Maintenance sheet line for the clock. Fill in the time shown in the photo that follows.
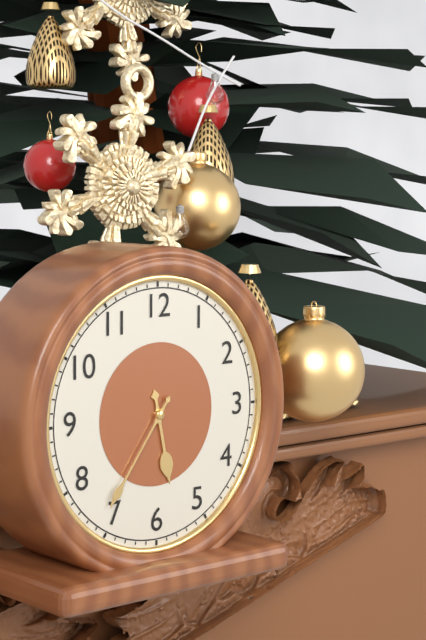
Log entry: 5:36
